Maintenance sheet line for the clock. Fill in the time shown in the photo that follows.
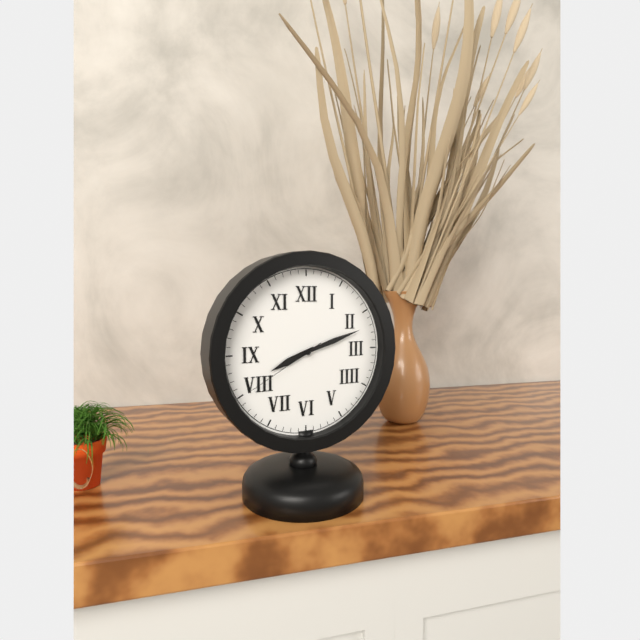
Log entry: 8:12:40
